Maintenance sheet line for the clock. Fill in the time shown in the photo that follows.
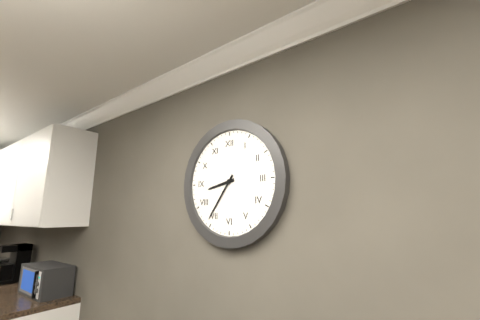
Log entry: 8:36
